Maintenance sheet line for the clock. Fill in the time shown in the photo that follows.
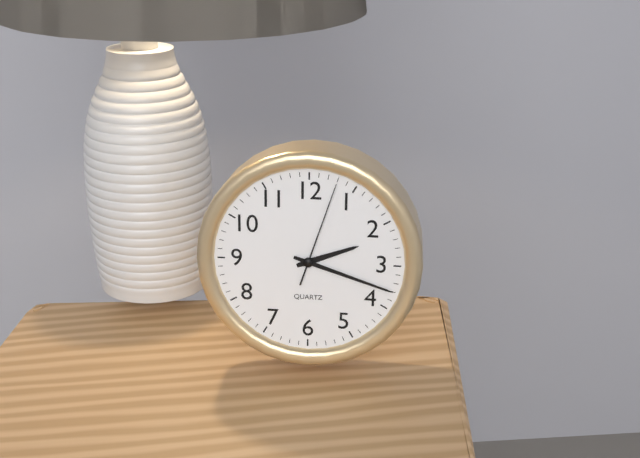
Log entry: 2:18:03
